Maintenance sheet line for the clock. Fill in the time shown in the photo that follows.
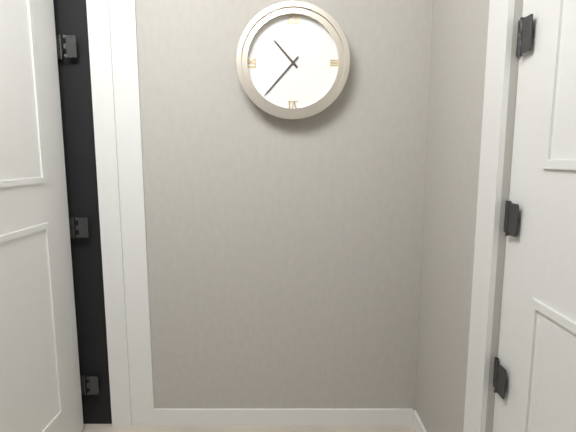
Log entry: 10:37
